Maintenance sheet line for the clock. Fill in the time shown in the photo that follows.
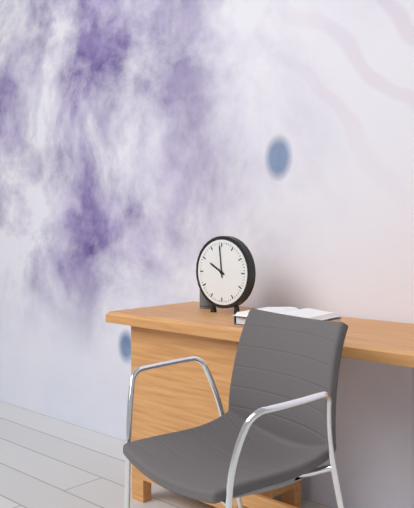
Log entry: 9:59
